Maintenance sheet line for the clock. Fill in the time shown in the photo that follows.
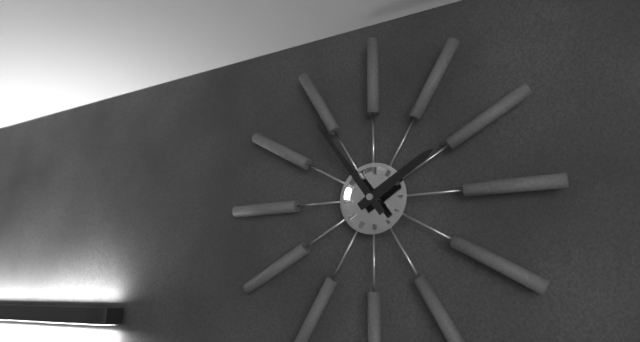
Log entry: 1:54
